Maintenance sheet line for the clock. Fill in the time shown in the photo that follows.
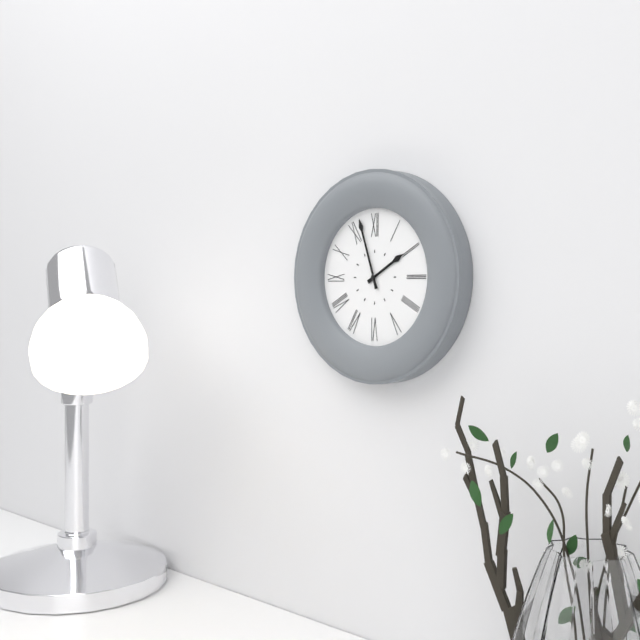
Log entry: 1:57
